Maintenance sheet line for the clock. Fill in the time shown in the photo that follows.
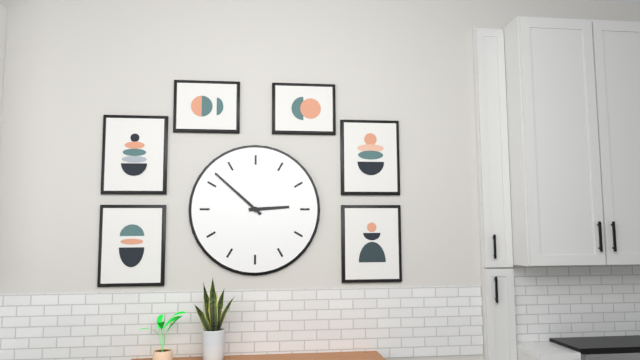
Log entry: 2:52
